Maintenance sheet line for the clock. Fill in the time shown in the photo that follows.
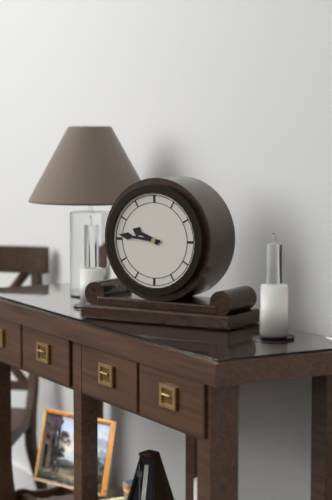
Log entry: 9:46
